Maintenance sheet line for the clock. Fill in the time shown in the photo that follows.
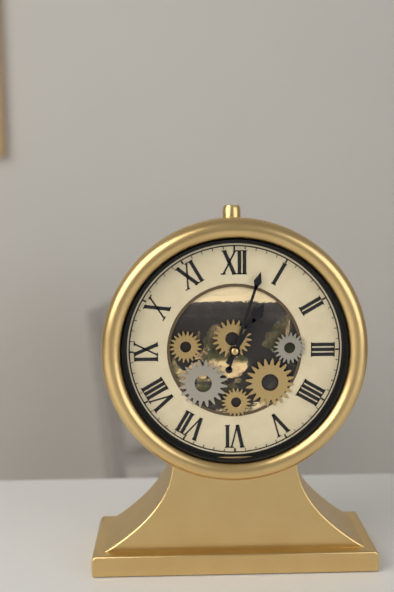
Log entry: 1:03
